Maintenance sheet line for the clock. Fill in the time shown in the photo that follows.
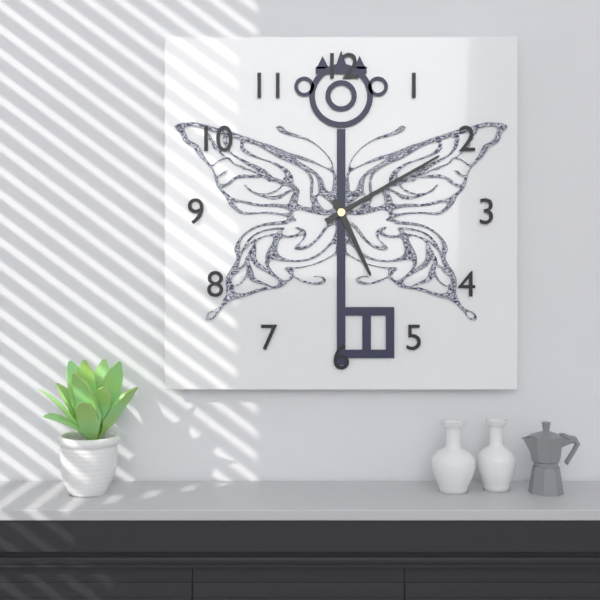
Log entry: 5:10
